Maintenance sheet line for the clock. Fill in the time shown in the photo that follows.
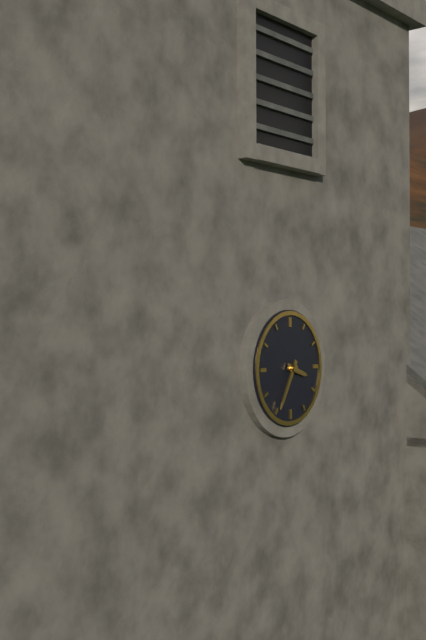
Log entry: 3:35
